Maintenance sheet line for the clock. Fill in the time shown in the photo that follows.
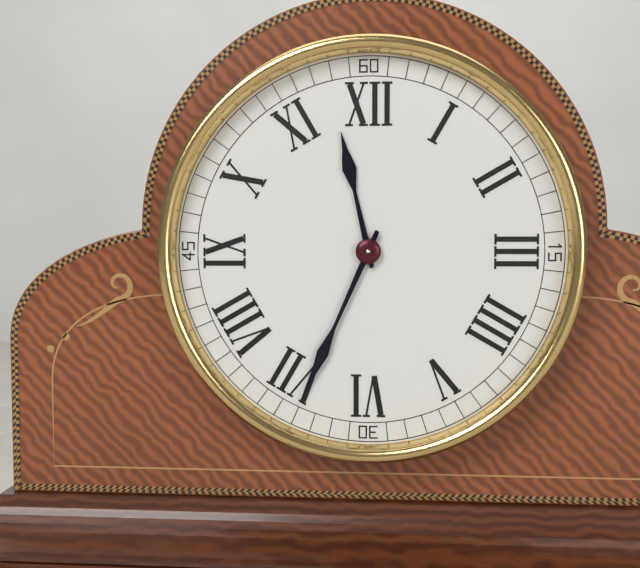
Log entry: 11:34
